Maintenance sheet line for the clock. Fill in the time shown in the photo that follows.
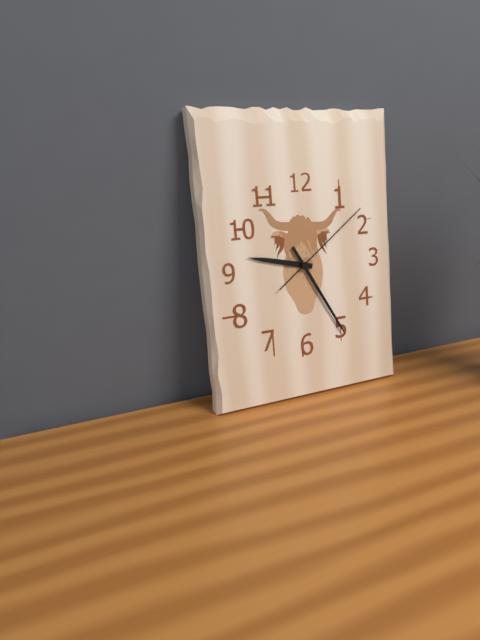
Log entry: 9:25:09
